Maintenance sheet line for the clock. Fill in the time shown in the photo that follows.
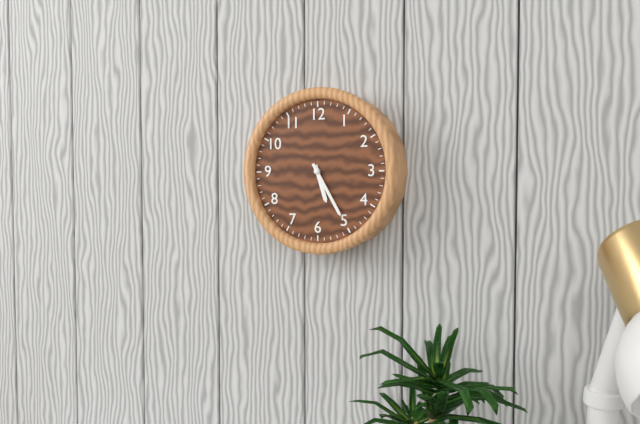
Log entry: 5:25
